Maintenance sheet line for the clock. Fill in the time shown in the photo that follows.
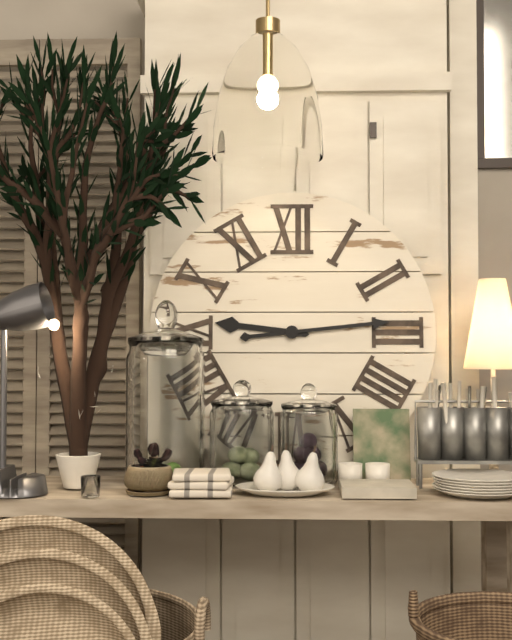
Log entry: 9:14
